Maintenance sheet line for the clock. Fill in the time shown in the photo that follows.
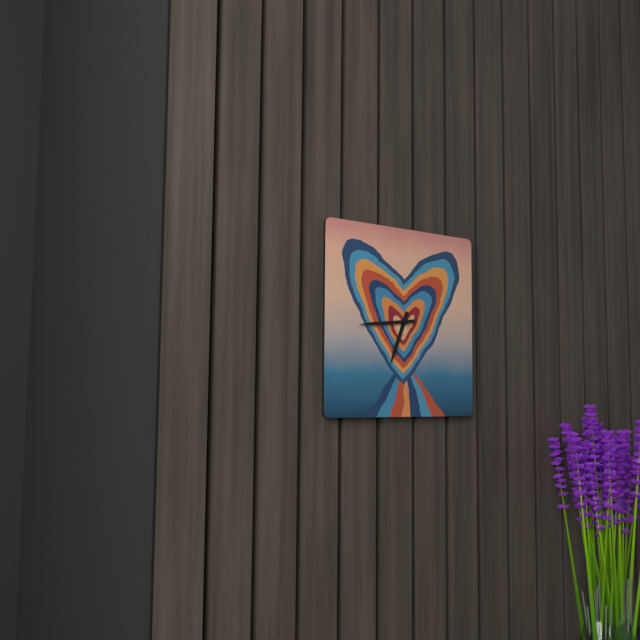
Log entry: 6:44
